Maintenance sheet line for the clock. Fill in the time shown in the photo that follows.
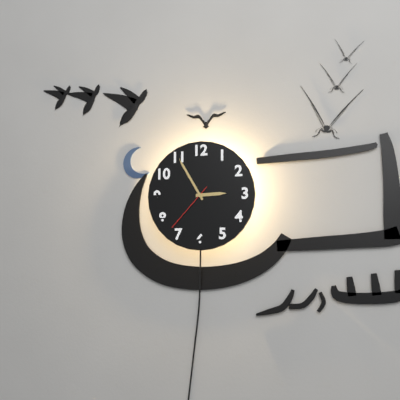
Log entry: 2:55:37
